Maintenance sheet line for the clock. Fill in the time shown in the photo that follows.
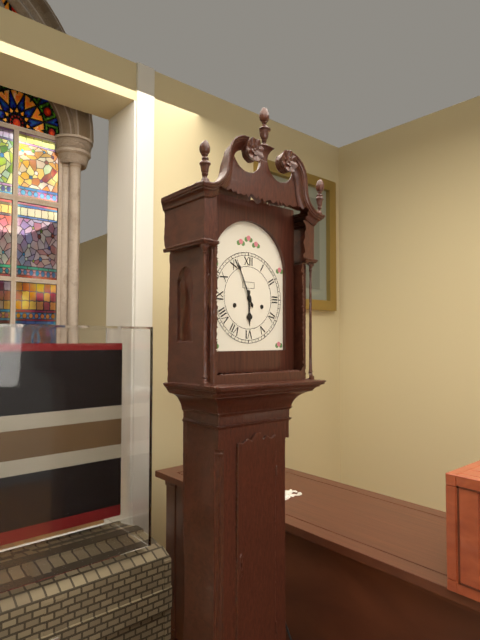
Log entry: 5:56
